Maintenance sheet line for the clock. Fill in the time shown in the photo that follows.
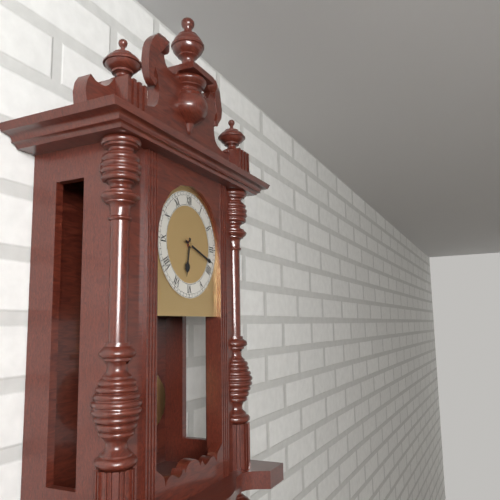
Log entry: 6:18
